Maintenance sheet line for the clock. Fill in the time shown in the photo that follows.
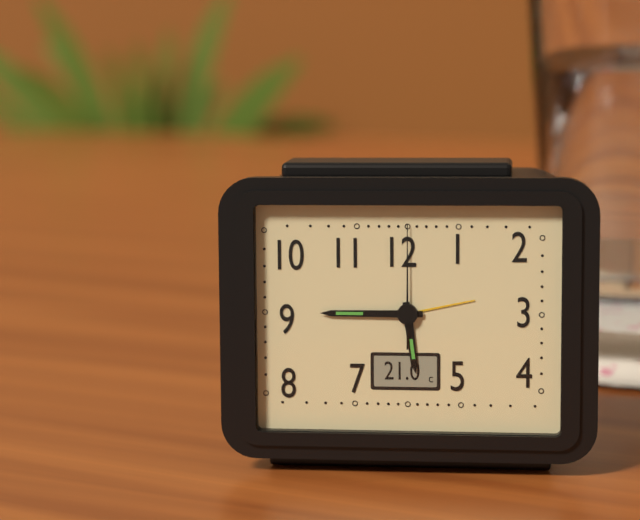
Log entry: 5:45:00
